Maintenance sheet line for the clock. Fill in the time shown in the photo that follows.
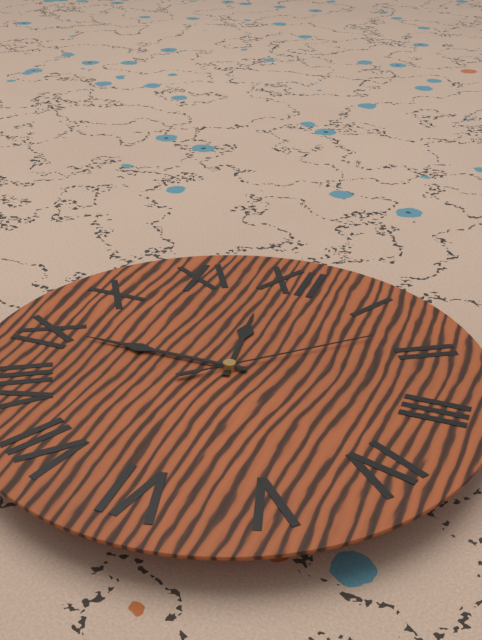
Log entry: 11:45:08
